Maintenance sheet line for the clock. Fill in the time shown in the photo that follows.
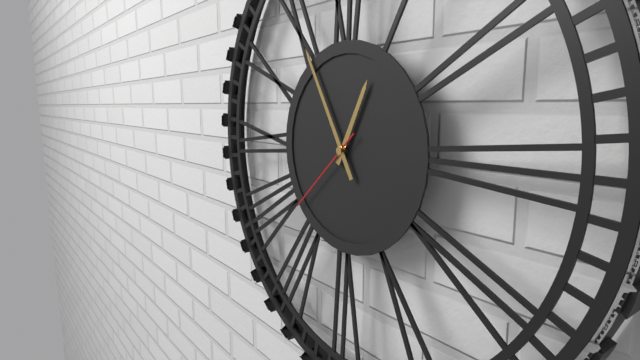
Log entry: 12:55:38
